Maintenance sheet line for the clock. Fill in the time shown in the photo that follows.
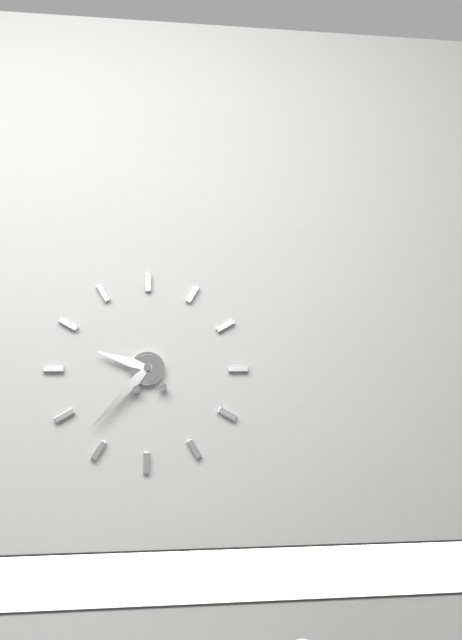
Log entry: 9:37
